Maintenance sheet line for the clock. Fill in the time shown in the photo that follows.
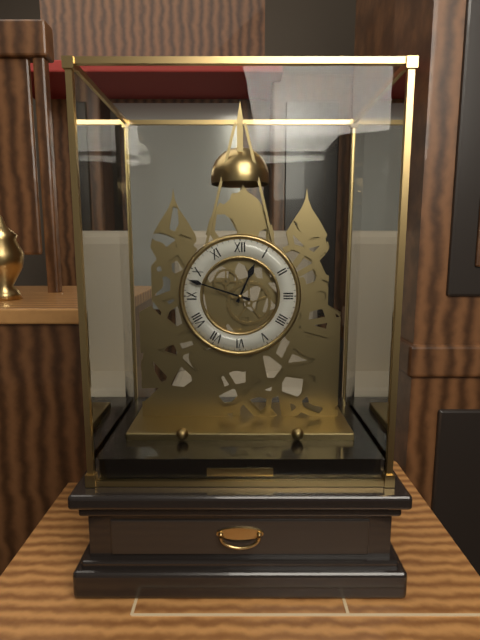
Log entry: 12:48
